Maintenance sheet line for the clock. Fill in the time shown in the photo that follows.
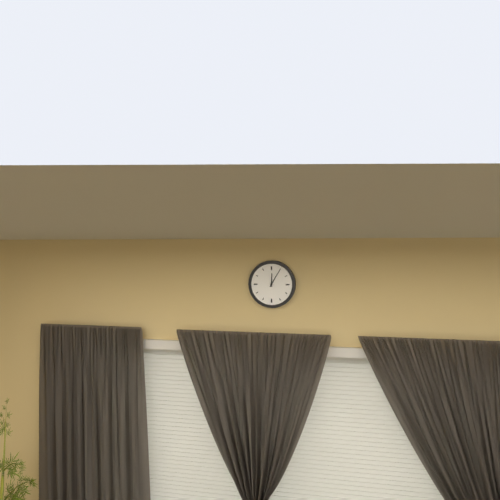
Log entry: 12:05
